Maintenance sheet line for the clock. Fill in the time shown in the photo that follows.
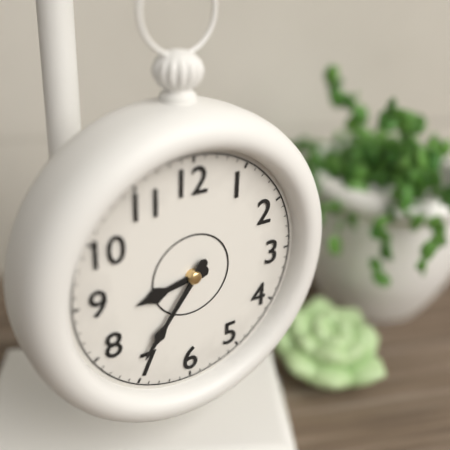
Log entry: 8:36
